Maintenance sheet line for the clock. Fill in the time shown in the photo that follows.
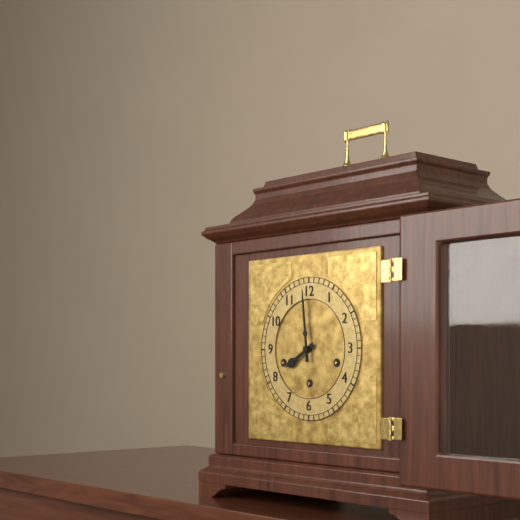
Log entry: 7:59
